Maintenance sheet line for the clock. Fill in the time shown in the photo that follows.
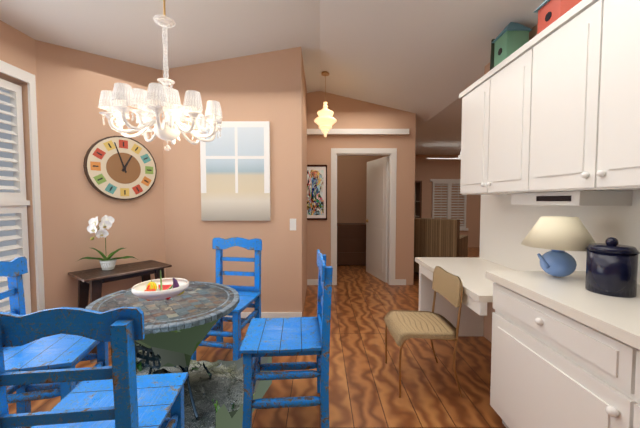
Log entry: 12:57
